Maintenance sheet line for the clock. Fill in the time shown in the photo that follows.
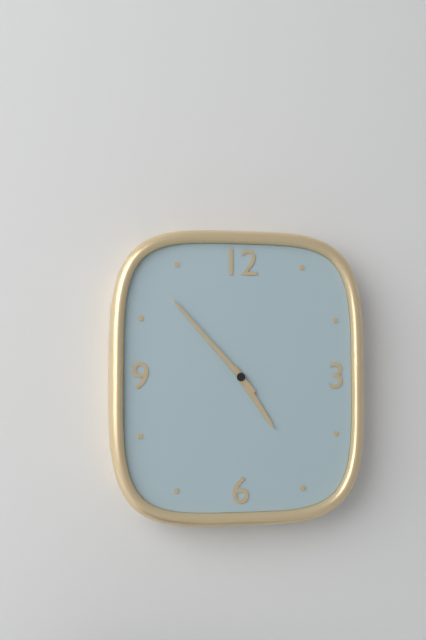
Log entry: 4:53
